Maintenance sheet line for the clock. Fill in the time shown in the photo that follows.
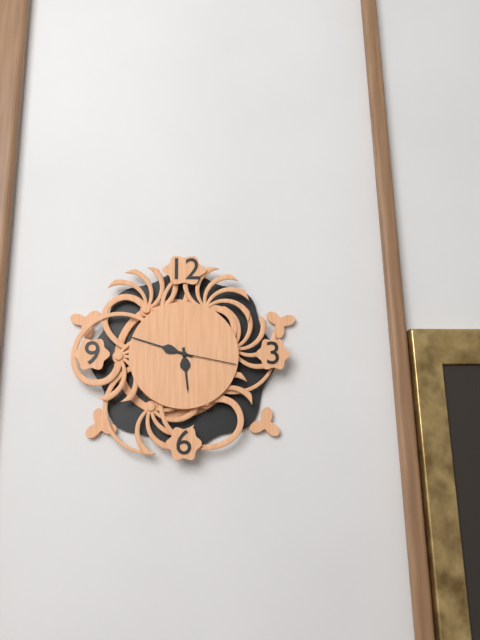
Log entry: 5:48:17
